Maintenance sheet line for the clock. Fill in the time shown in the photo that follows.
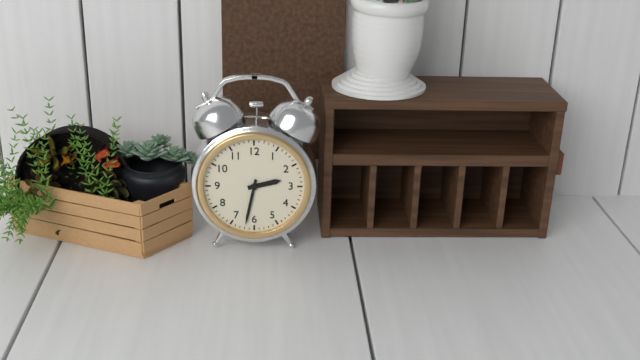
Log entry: 2:32
